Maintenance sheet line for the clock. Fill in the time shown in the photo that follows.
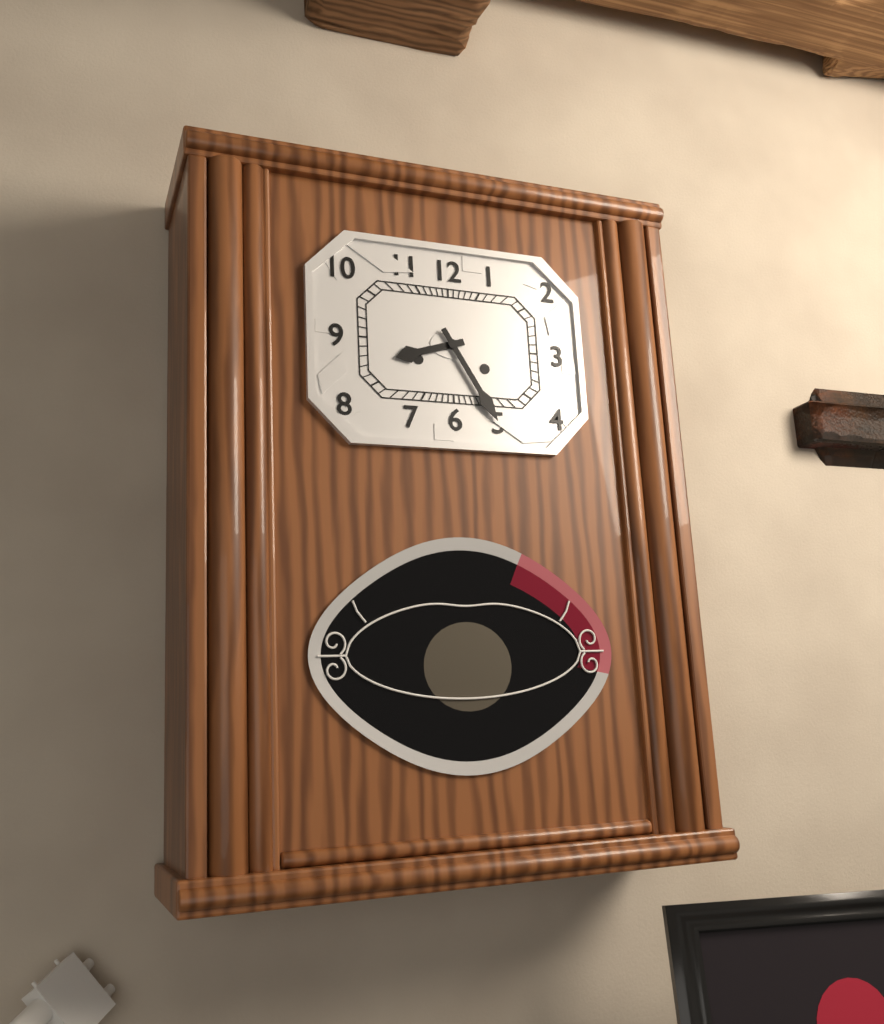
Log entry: 8:25
